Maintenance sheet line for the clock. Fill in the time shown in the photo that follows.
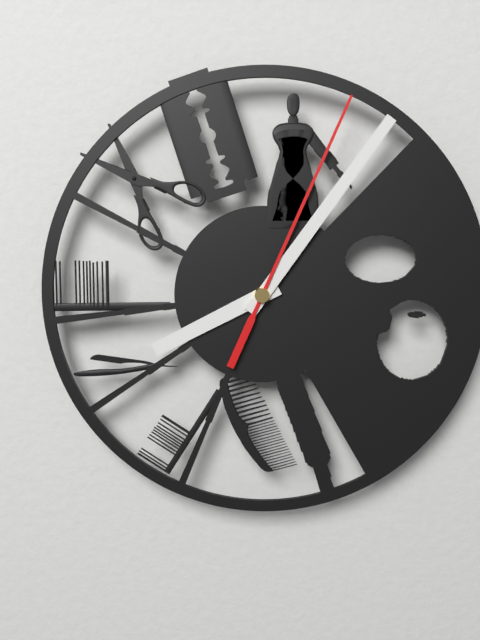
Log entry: 8:06:04
